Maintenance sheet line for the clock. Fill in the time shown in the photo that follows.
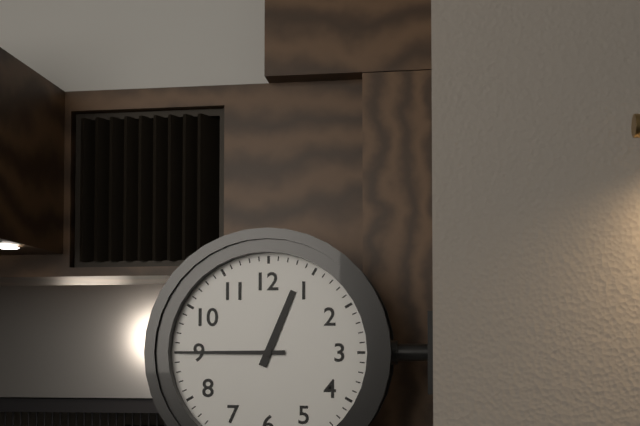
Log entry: 12:45
